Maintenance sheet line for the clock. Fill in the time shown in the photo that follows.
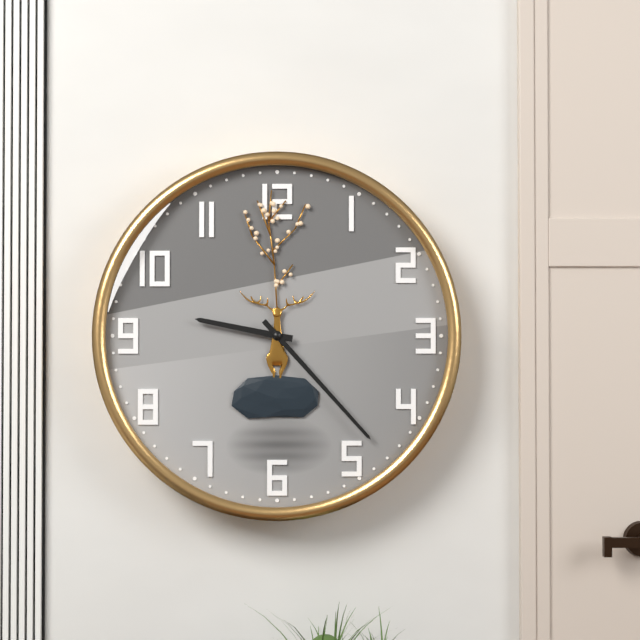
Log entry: 9:23
